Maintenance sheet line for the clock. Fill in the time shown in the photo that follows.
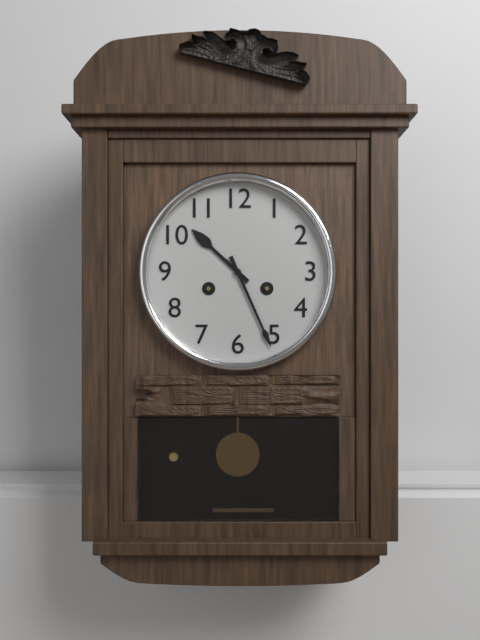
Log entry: 10:26
